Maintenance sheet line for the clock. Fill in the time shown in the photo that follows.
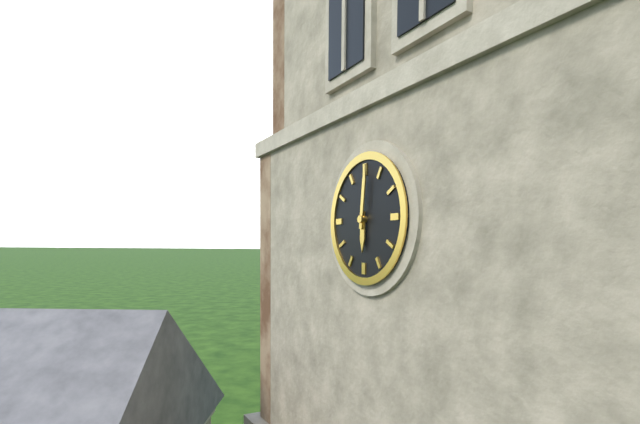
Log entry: 6:01
